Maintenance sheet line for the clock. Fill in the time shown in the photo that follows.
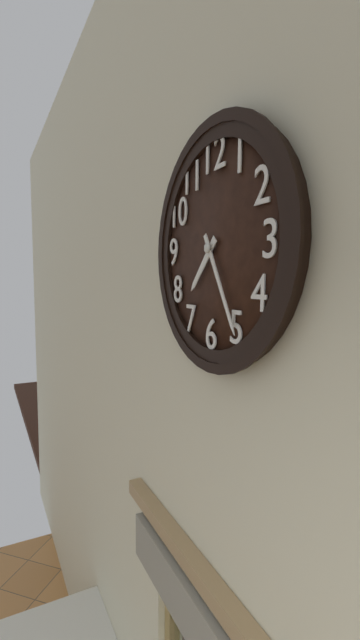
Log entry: 7:25
